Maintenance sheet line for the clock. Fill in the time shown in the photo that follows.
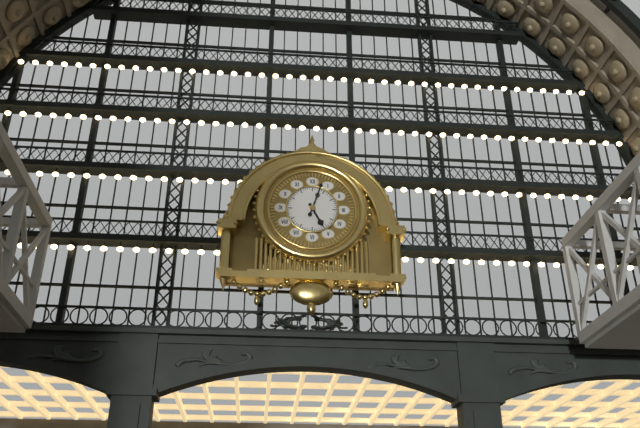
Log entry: 5:03
